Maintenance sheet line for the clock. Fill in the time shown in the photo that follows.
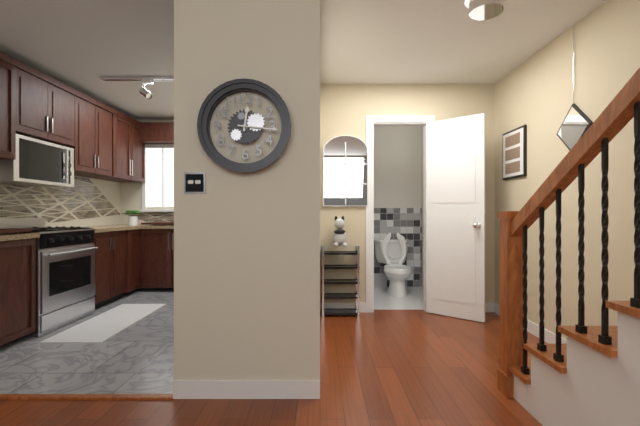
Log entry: 12:16
